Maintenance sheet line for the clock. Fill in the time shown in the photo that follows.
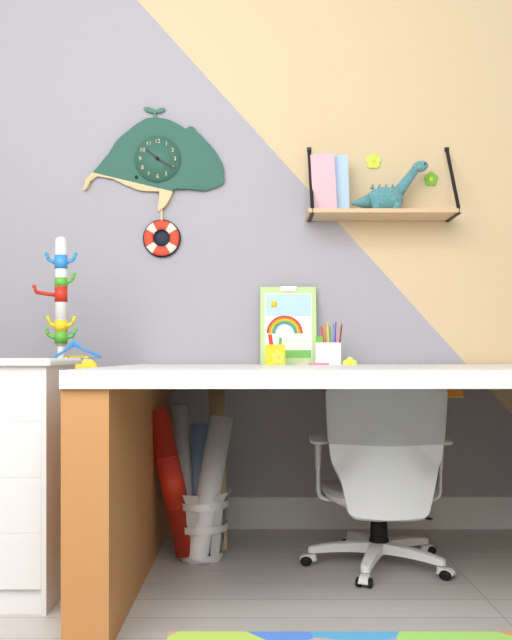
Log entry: 10:20
